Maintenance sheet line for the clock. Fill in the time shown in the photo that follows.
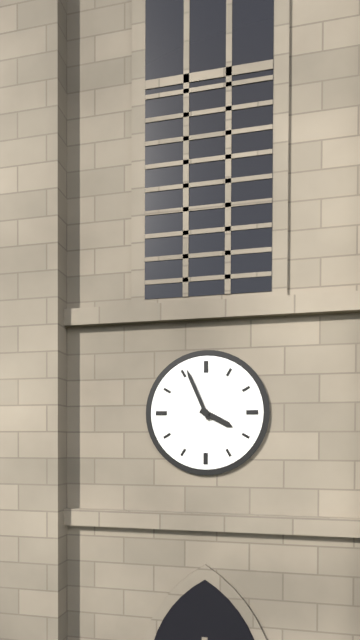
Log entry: 3:56
